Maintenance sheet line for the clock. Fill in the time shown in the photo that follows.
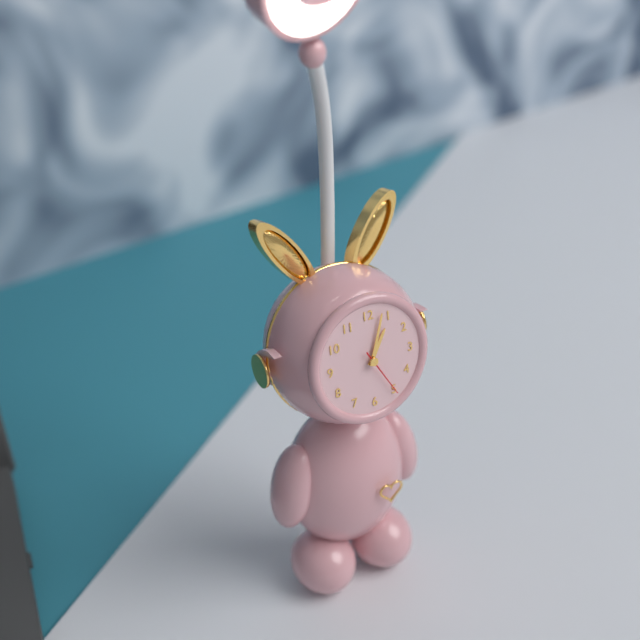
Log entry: 1:03:25
